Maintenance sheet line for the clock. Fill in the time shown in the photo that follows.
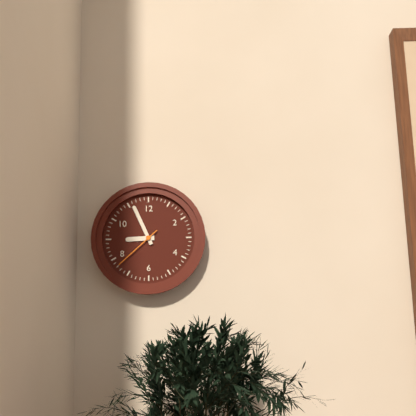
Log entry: 8:56:38
